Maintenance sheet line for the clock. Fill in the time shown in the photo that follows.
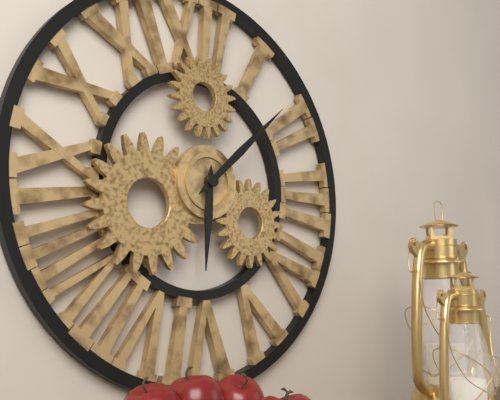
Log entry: 6:08
